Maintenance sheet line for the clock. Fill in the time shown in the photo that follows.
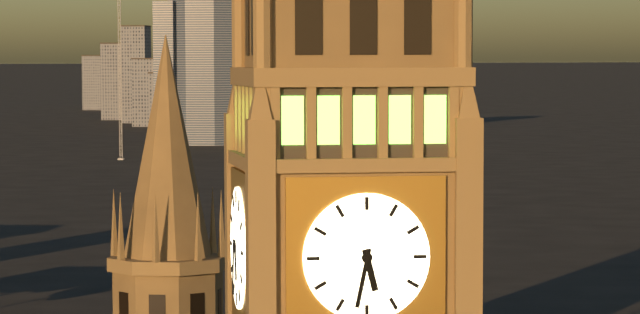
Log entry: 5:32
